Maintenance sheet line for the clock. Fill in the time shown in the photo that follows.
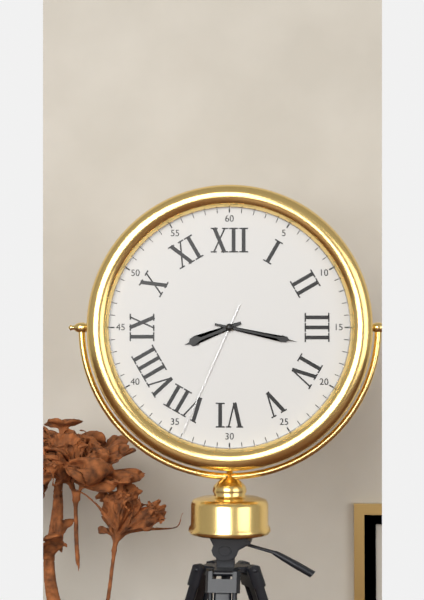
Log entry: 8:17:34
